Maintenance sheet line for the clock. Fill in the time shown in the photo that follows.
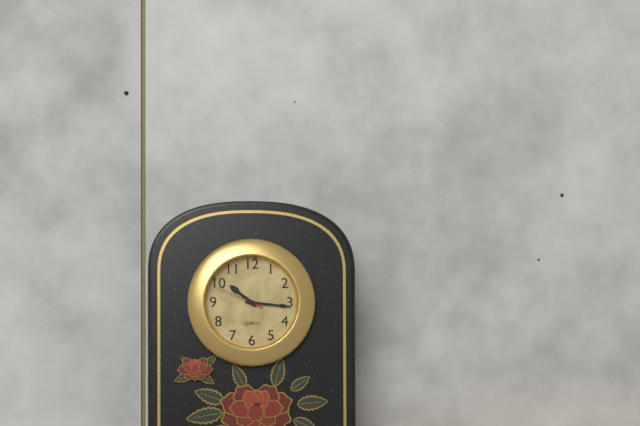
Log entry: 10:16:49
